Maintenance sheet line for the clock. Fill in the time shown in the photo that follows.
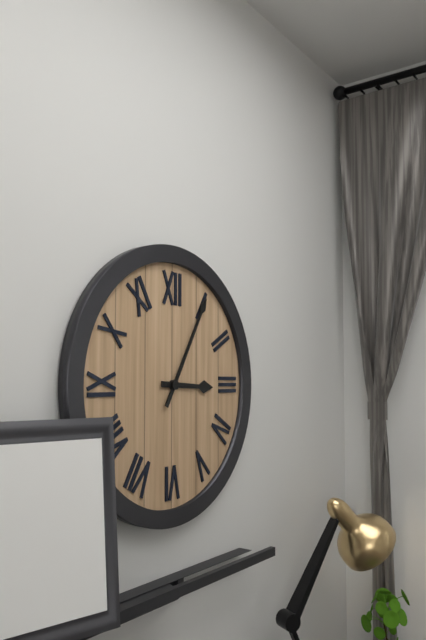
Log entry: 3:05
